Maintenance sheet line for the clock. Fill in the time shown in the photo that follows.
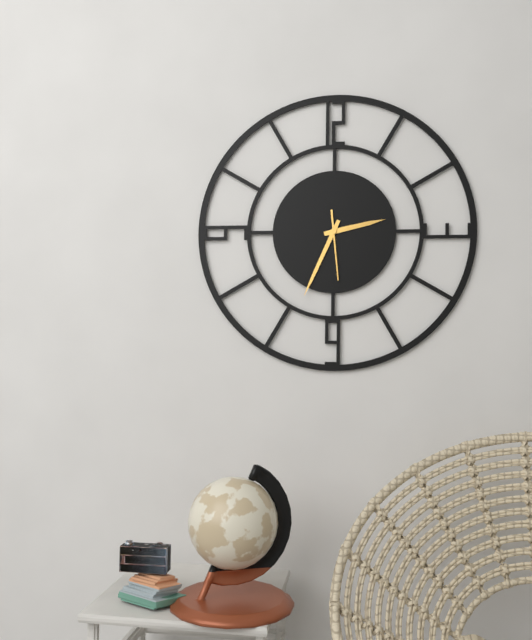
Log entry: 2:34:29
